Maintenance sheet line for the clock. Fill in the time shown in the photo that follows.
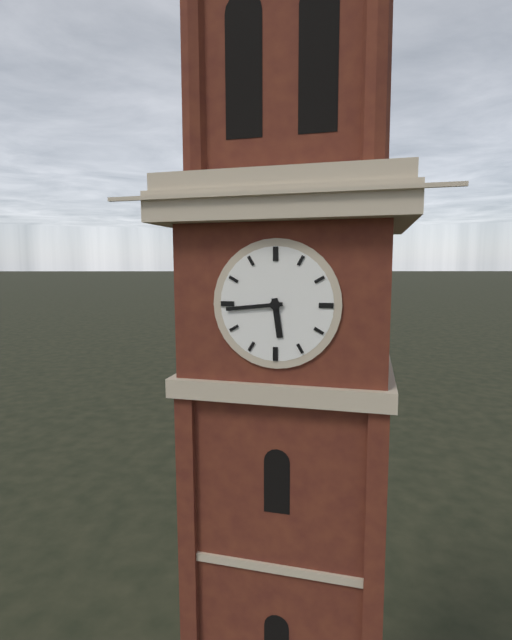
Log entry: 5:44
